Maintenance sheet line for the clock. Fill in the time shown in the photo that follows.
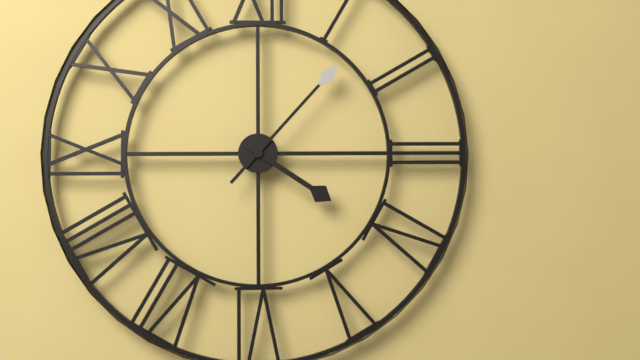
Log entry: 4:07
